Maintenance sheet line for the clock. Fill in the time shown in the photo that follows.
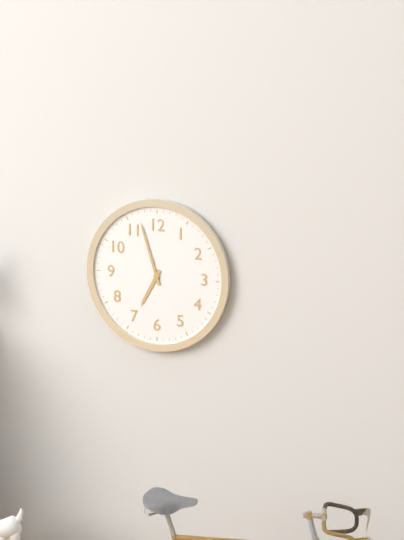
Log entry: 6:57
